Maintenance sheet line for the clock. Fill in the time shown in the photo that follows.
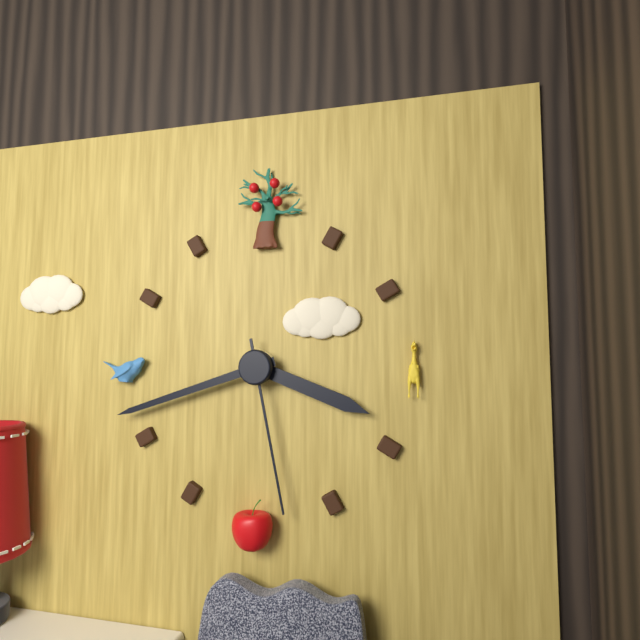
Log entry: 3:42:28
